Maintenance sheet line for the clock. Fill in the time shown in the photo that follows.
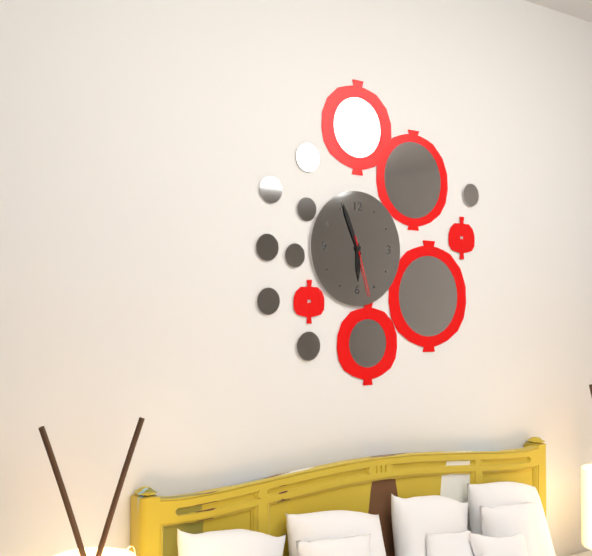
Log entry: 5:56:27
